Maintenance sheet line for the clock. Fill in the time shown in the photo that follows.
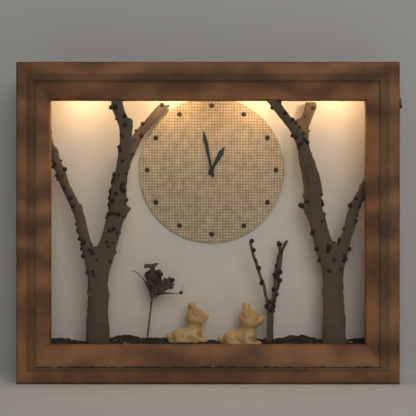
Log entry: 12:58
